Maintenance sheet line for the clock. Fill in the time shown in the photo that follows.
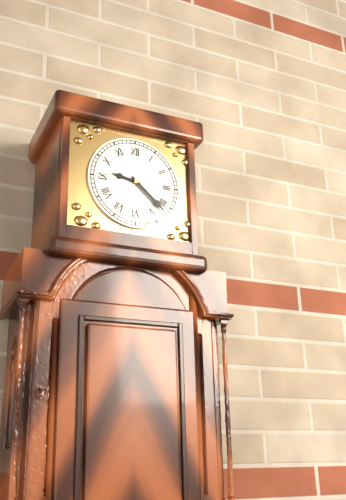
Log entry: 9:22
